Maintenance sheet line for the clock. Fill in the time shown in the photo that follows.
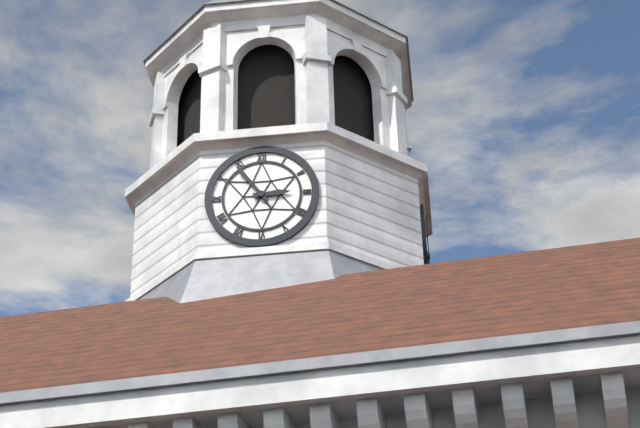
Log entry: 2:54
